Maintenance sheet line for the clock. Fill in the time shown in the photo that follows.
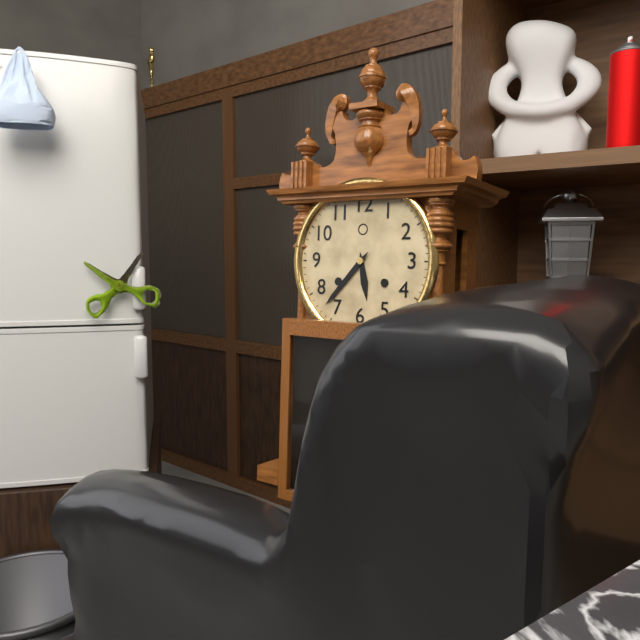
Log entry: 5:37
